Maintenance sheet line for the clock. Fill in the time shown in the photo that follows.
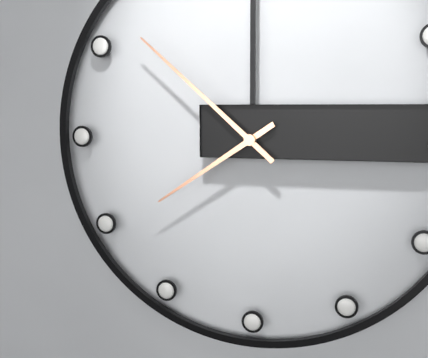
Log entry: 7:52
